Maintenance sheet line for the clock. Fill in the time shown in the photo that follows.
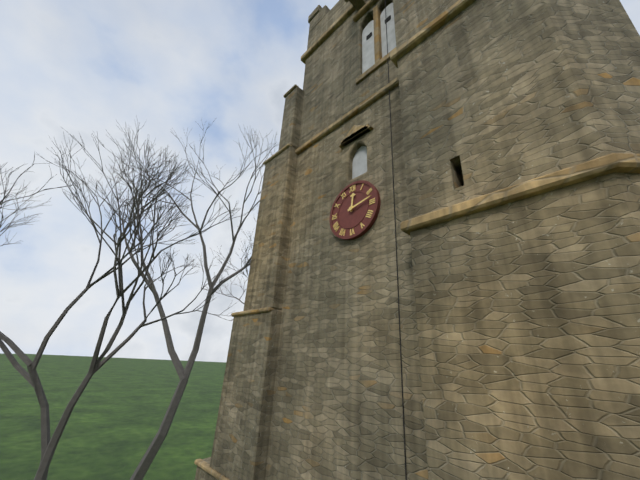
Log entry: 12:13
